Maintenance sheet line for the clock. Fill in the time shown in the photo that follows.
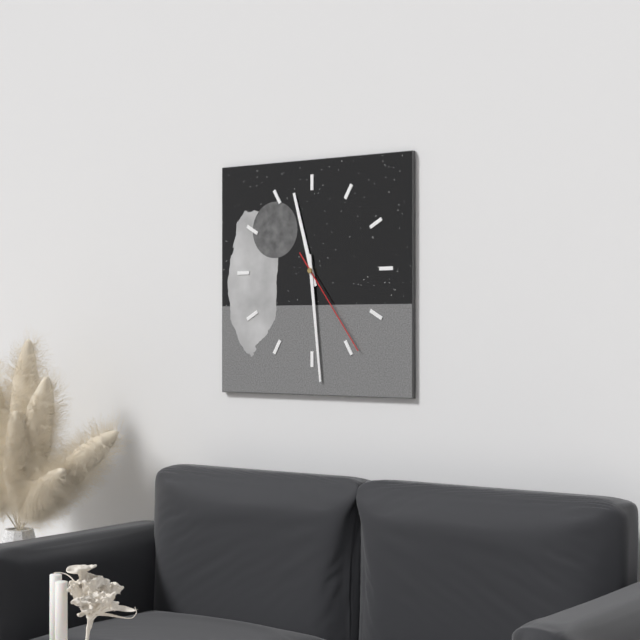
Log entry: 11:29:24
